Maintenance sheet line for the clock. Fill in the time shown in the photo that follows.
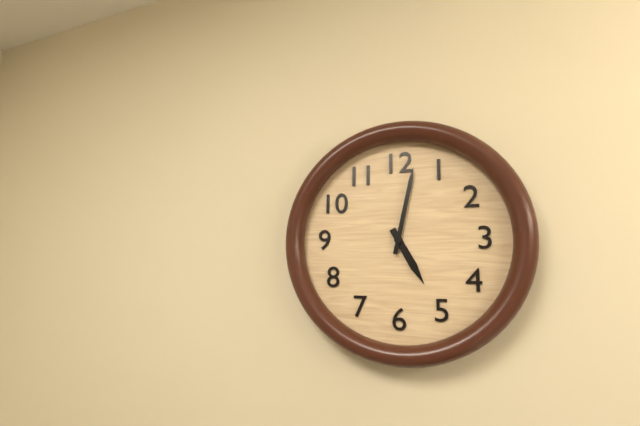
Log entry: 5:02
